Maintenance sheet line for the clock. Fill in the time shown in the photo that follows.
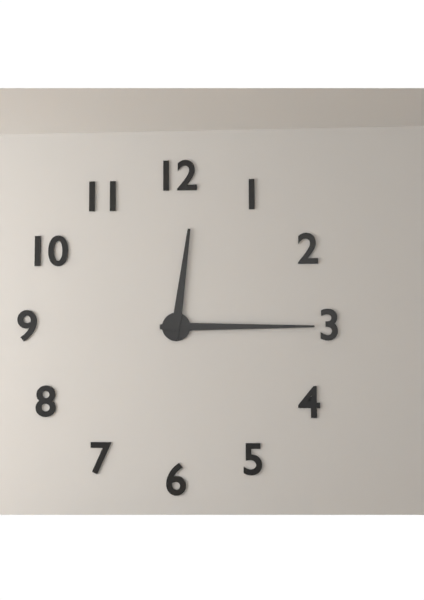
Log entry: 12:15
